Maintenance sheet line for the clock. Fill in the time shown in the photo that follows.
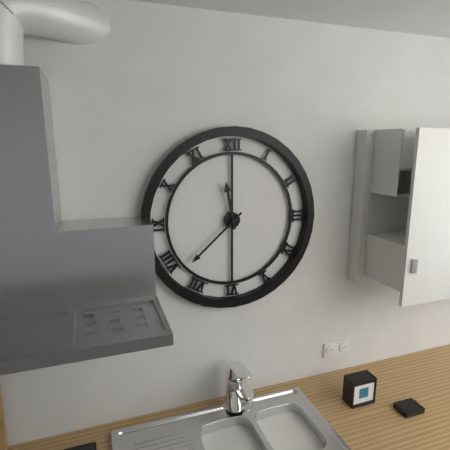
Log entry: 11:38
